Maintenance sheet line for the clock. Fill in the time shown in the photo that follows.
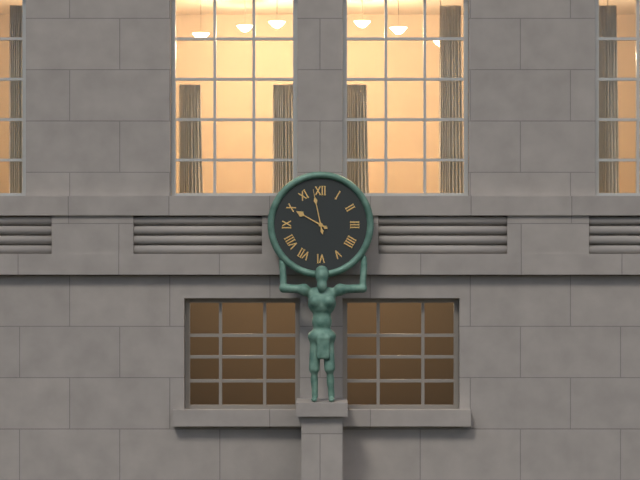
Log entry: 9:58
